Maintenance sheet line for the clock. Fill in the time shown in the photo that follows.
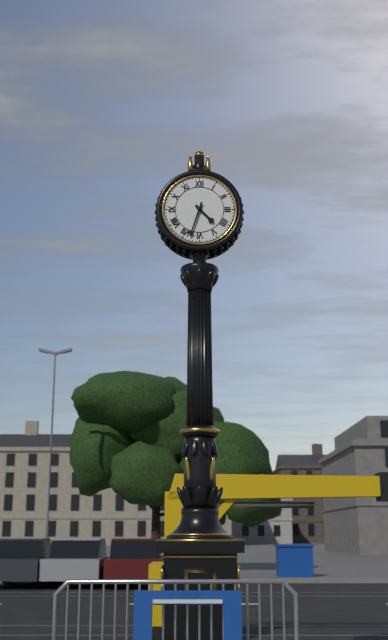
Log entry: 4:33
